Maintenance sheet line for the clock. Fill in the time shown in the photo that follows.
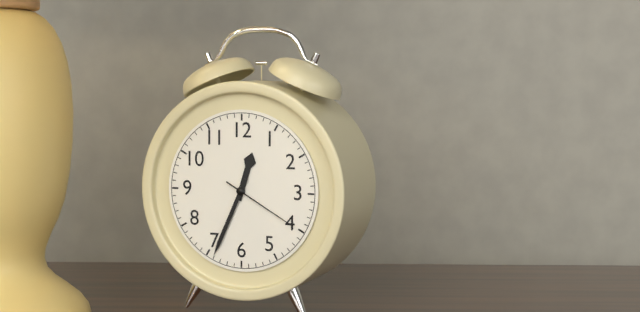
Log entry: 12:34:20
